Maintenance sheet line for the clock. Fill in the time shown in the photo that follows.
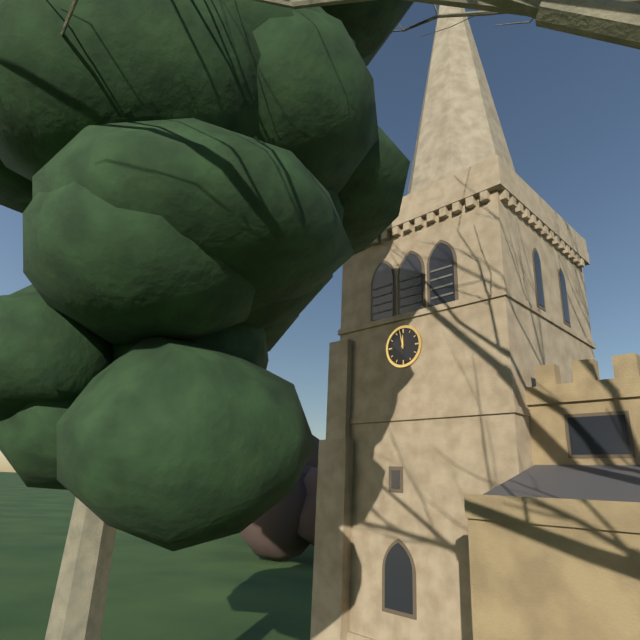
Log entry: 11:58
